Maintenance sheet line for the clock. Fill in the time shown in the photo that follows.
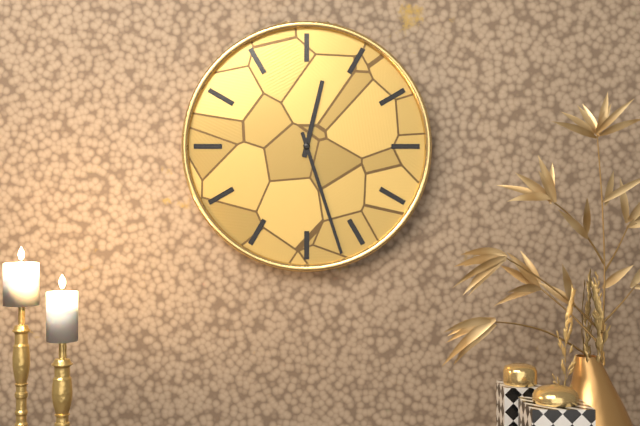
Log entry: 12:27
